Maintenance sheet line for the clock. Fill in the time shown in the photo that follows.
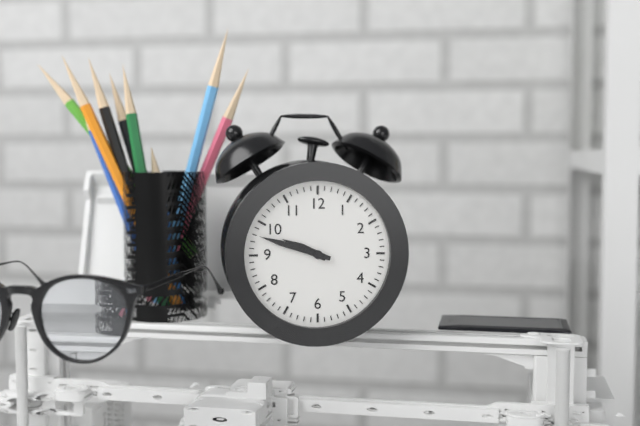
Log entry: 9:48
